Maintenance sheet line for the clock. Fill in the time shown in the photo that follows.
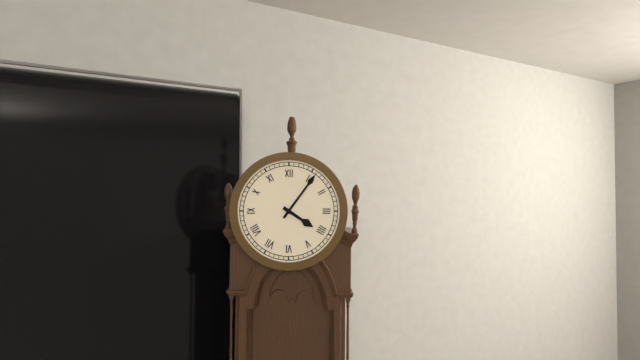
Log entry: 4:06
